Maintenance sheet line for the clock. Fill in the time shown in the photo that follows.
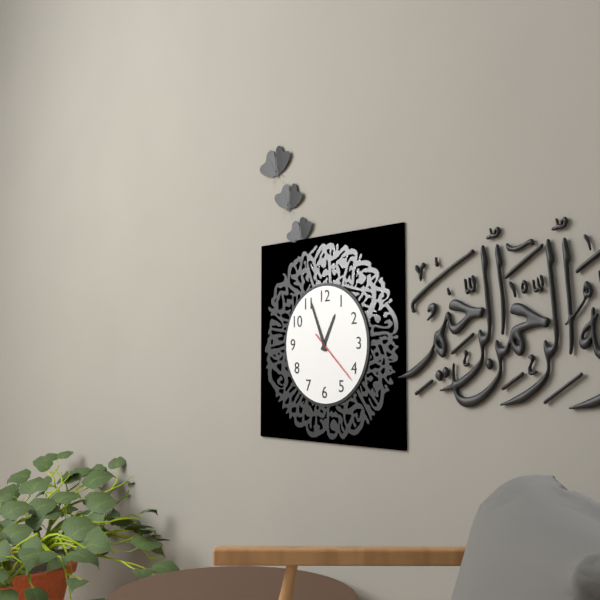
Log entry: 12:56:22
